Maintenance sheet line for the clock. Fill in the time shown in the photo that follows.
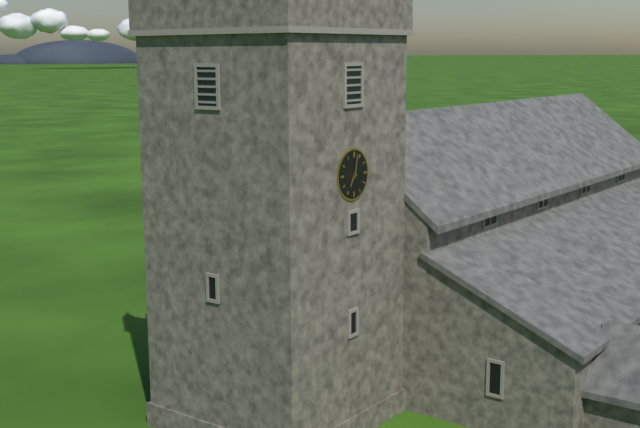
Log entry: 7:02
